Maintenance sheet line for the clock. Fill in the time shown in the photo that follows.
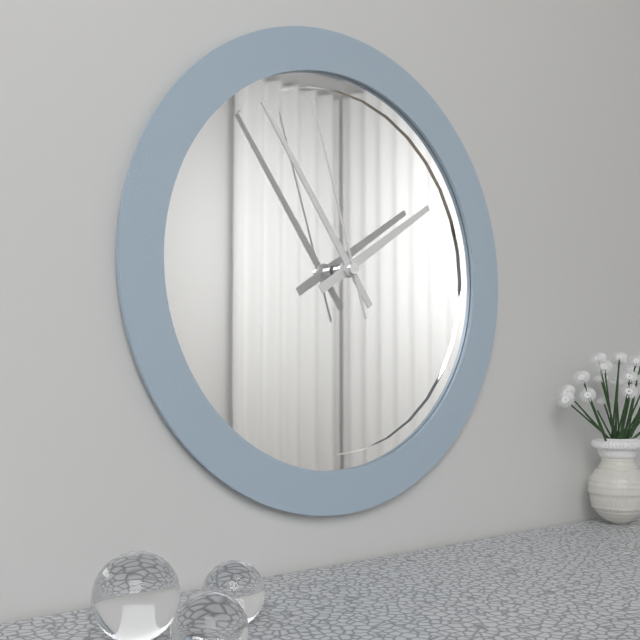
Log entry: 1:54:57
